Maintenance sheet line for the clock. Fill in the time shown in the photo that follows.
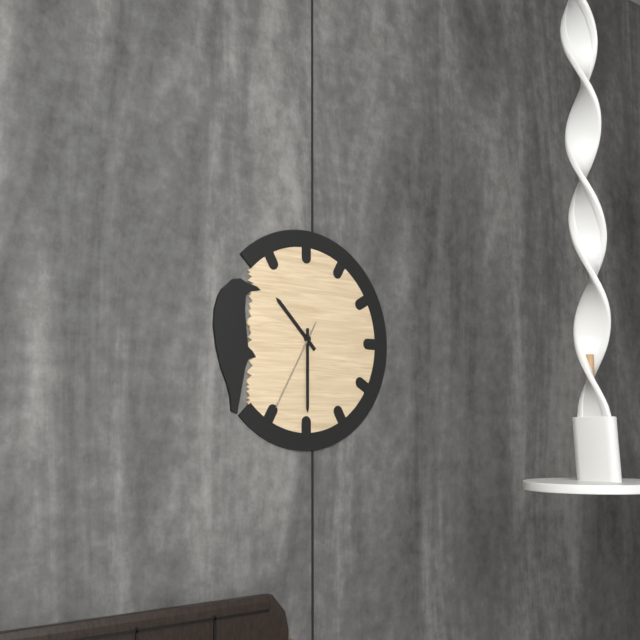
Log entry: 10:30:35
